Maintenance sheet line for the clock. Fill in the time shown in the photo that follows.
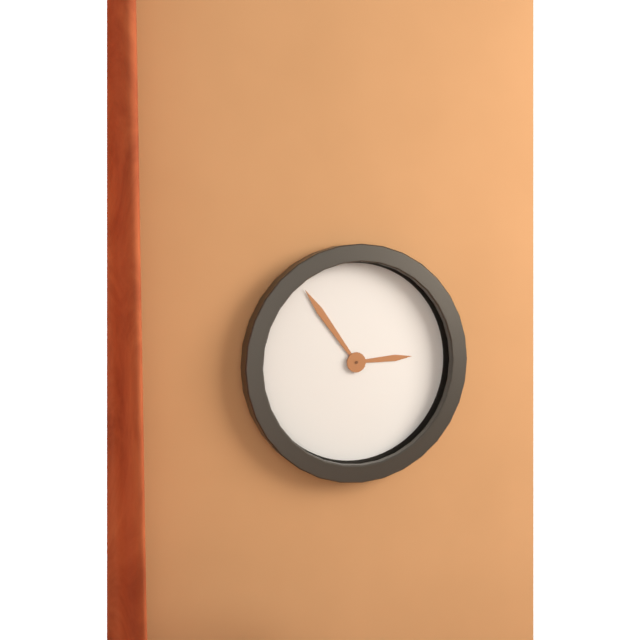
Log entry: 2:54
